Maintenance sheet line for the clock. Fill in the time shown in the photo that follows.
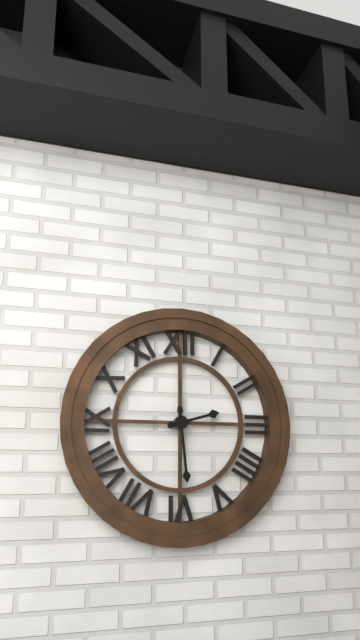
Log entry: 2:29
